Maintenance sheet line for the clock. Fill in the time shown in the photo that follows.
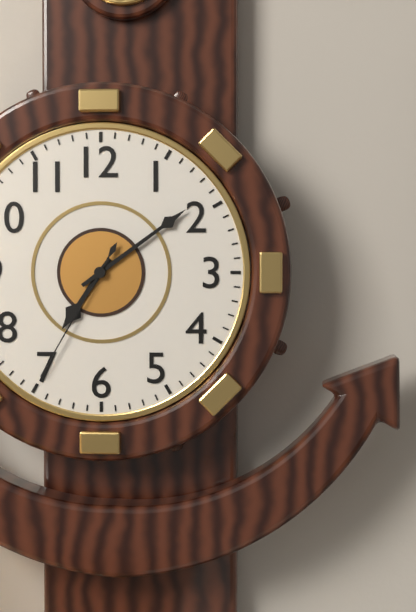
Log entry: 7:09:35
